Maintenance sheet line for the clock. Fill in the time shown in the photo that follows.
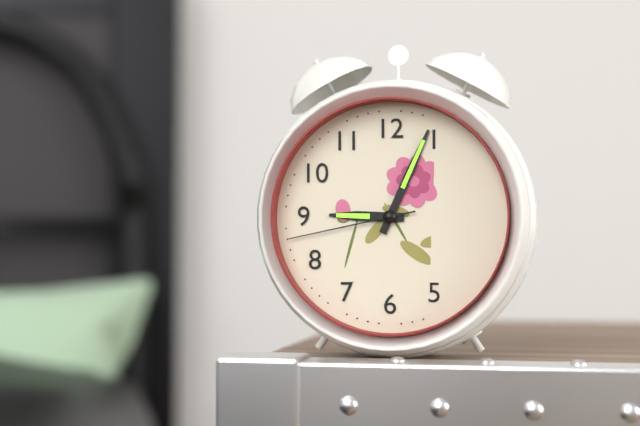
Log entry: 9:04:43
